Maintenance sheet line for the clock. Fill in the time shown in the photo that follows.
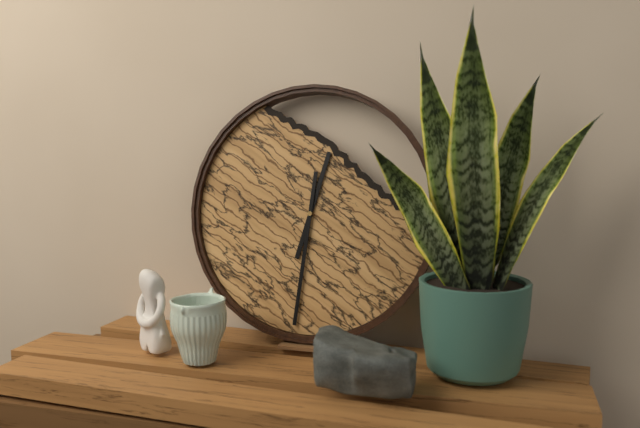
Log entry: 12:31
